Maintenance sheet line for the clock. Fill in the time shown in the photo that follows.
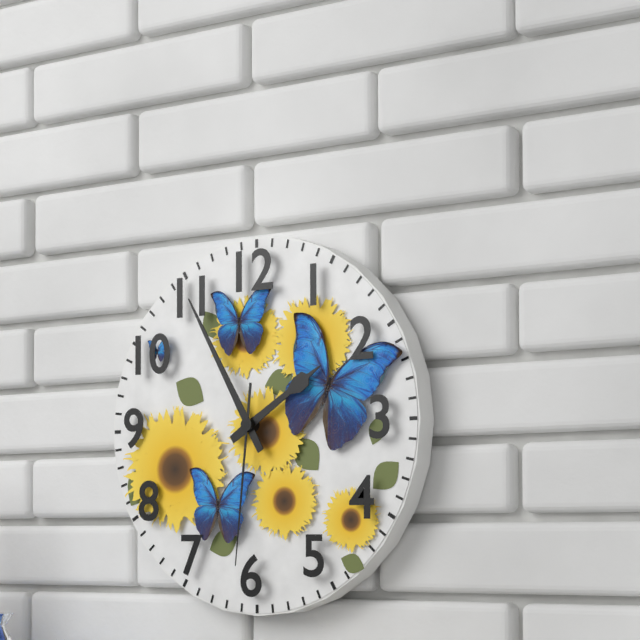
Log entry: 1:55:31
